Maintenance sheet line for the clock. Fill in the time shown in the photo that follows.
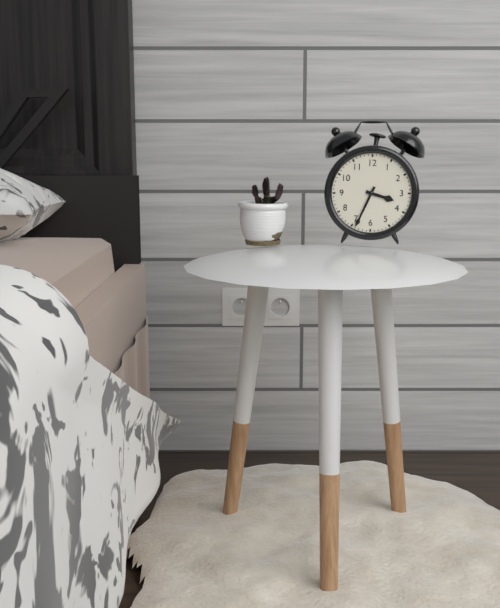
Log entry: 3:34
